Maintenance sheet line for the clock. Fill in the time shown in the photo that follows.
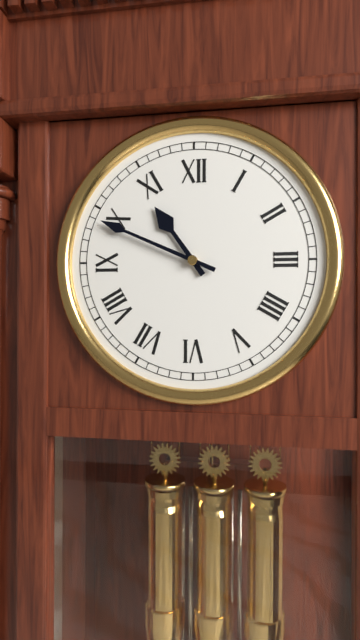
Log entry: 10:49
